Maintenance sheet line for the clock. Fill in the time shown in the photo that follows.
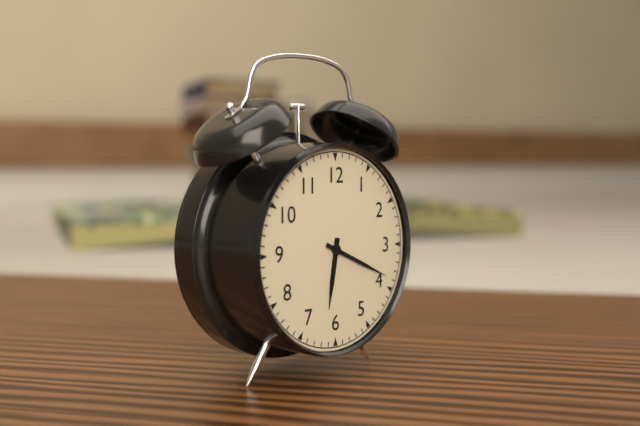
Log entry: 6:19
